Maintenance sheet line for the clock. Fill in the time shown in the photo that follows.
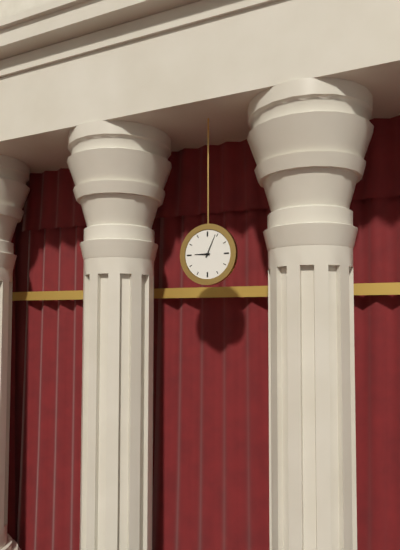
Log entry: 9:04
